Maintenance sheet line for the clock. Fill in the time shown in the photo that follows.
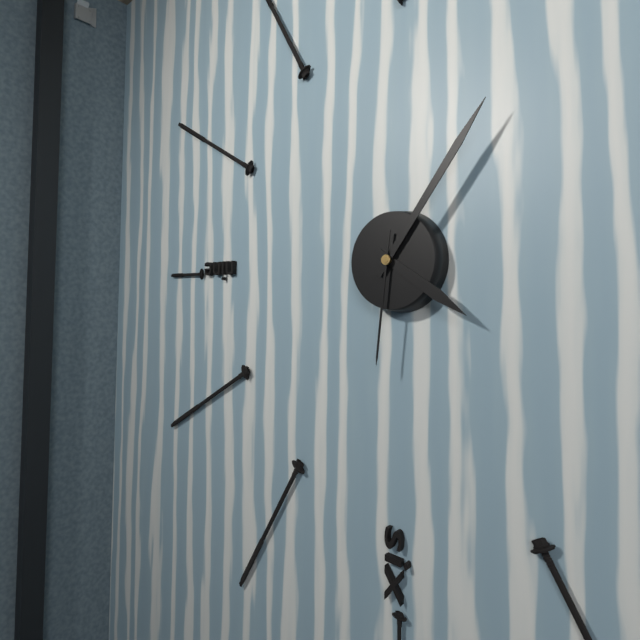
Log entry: 4:06:31
